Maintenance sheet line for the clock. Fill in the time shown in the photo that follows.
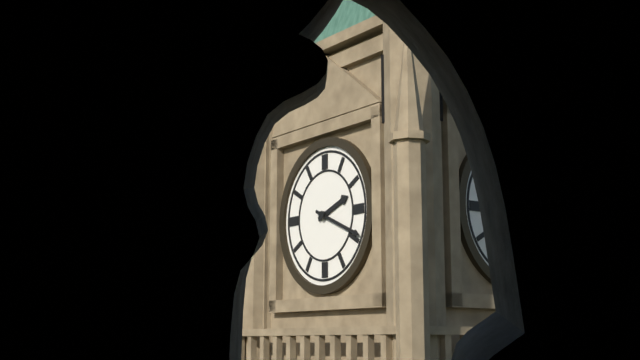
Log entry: 2:19
